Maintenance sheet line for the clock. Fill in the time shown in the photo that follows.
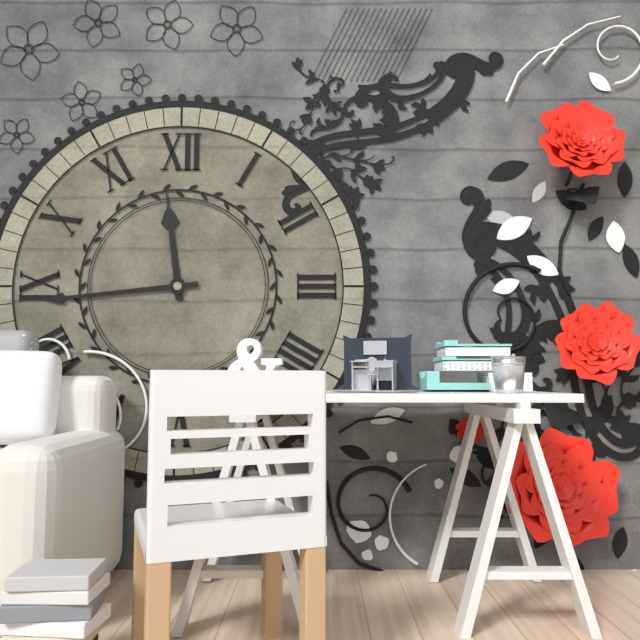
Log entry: 11:44
